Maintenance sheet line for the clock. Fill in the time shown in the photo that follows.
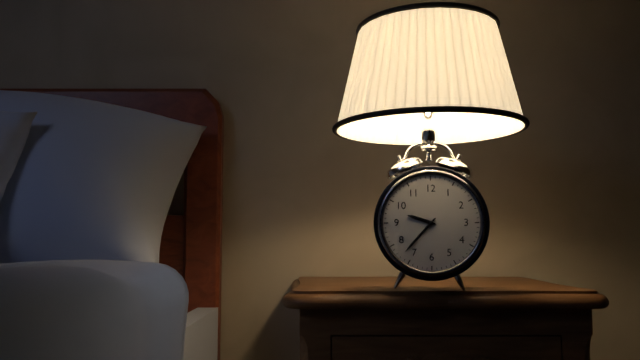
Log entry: 9:37
